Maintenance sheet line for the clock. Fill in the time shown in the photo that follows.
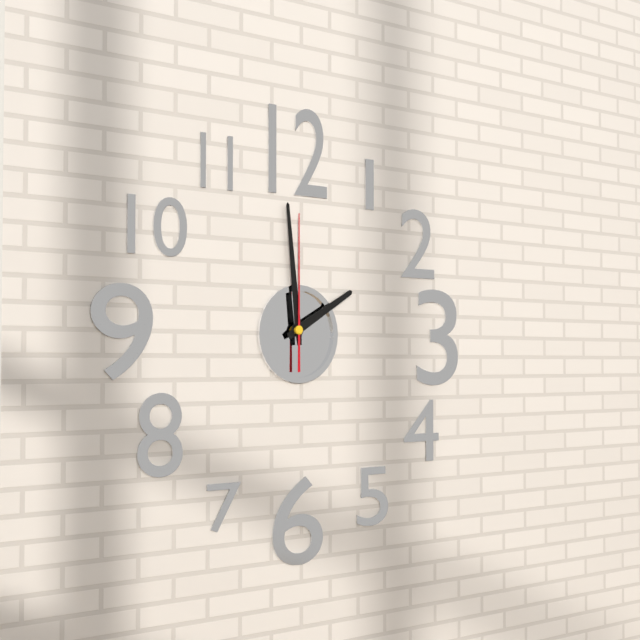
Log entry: 1:59:00
